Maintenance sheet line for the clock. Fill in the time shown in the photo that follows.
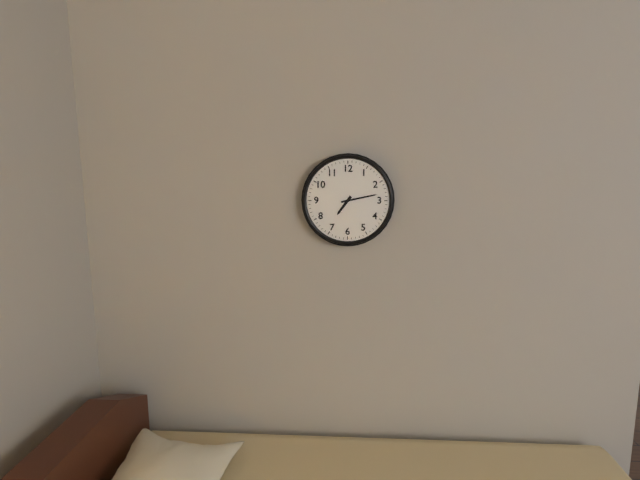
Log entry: 7:13
